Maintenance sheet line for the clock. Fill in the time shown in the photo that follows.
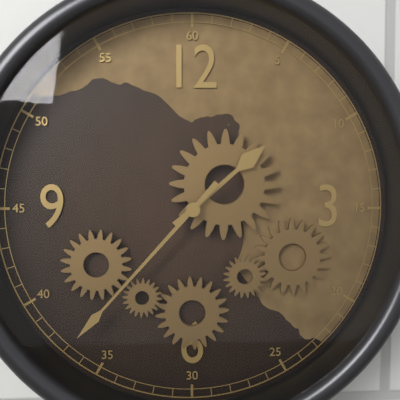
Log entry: 1:37
